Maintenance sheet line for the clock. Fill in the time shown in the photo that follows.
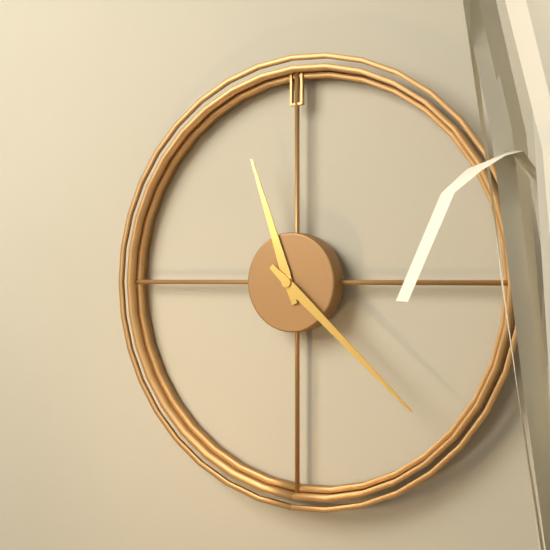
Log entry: 11:22
